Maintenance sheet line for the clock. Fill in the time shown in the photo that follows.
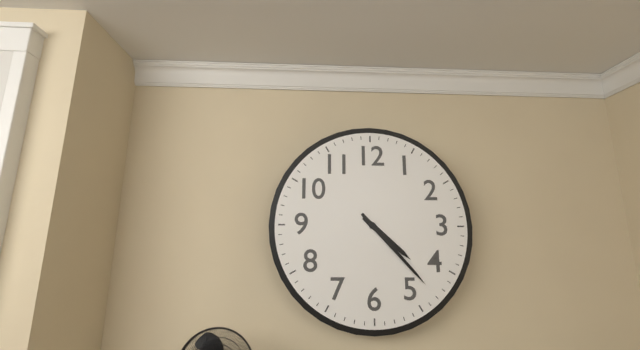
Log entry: 4:23
